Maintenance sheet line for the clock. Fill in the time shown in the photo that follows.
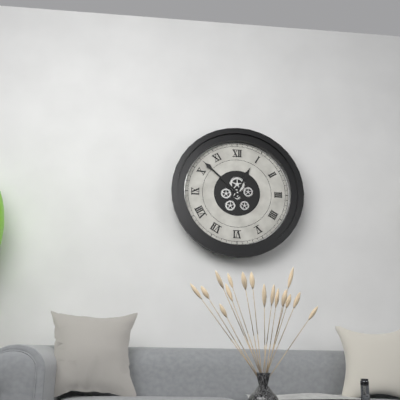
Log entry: 12:52
